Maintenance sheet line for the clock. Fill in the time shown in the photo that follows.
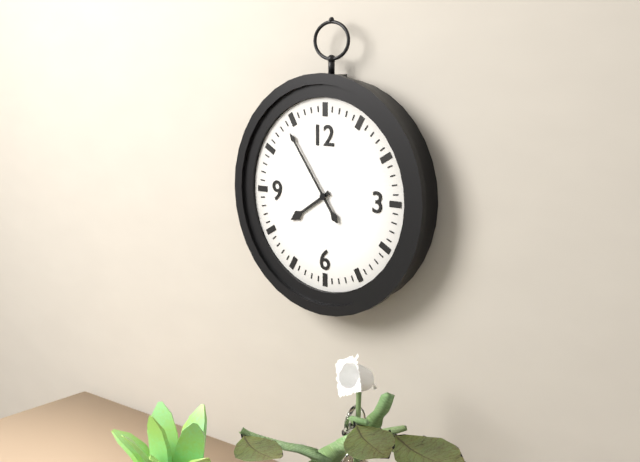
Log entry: 7:54
